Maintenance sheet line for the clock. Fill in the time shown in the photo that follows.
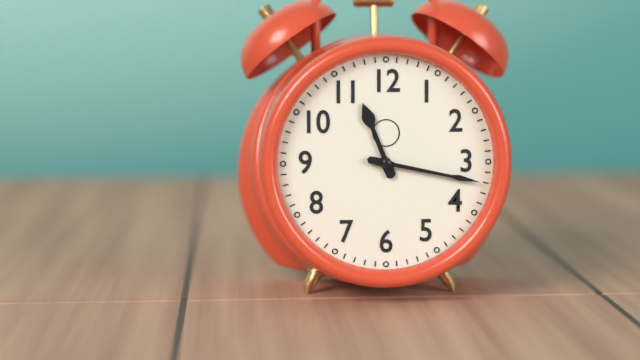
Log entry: 11:17
